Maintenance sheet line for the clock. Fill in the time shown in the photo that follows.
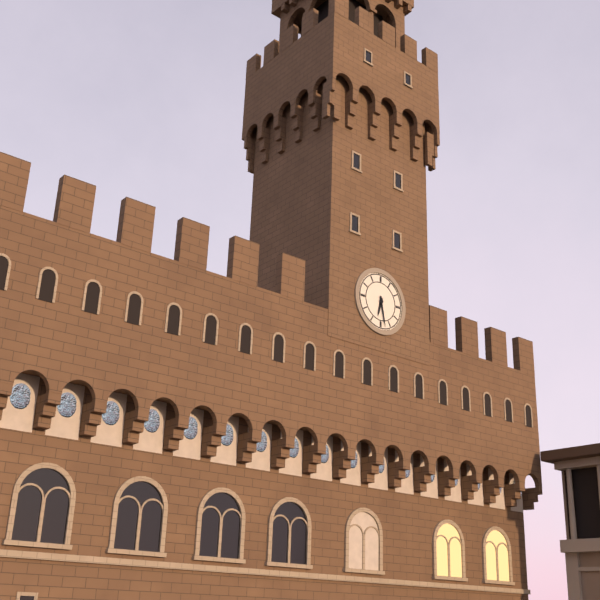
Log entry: 6:28
